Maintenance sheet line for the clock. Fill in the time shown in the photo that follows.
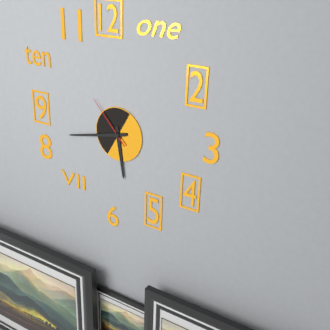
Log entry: 5:43:53
